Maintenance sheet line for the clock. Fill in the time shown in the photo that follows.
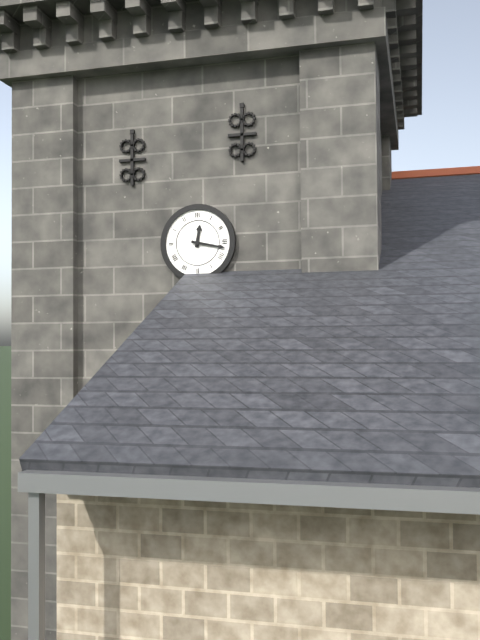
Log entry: 12:17
